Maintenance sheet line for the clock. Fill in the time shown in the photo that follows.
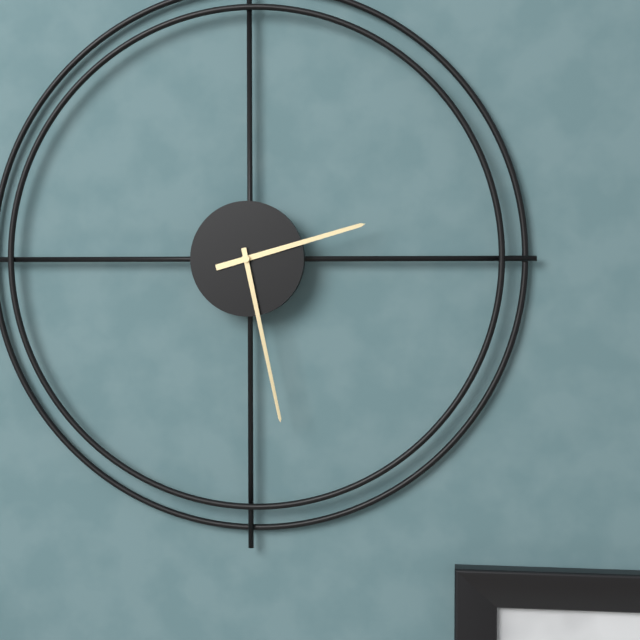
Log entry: 2:28
